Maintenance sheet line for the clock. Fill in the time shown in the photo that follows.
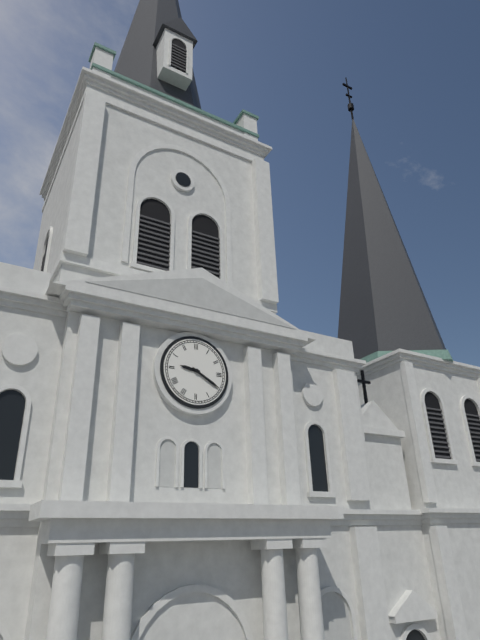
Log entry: 9:20
